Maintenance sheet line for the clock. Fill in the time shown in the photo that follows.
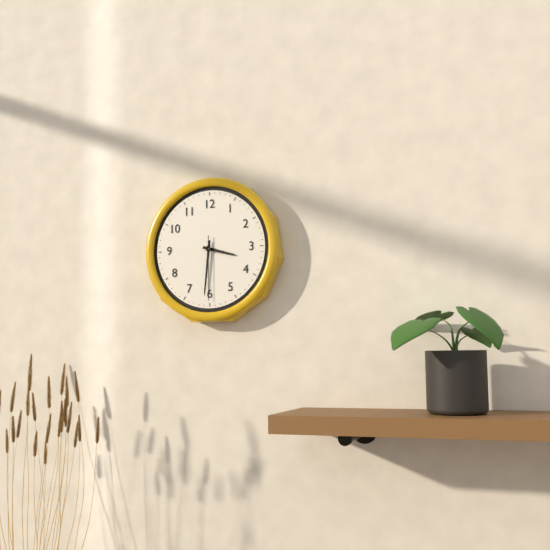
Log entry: 3:31:30
